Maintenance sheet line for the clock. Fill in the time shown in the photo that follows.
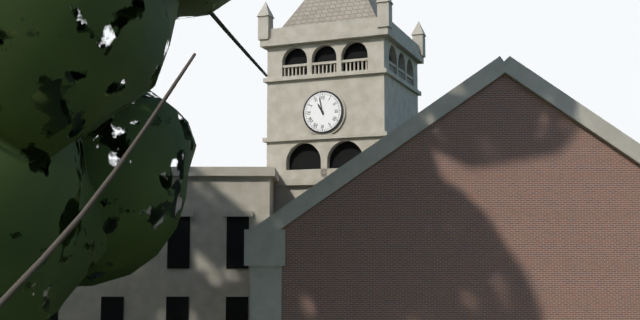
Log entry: 10:58
